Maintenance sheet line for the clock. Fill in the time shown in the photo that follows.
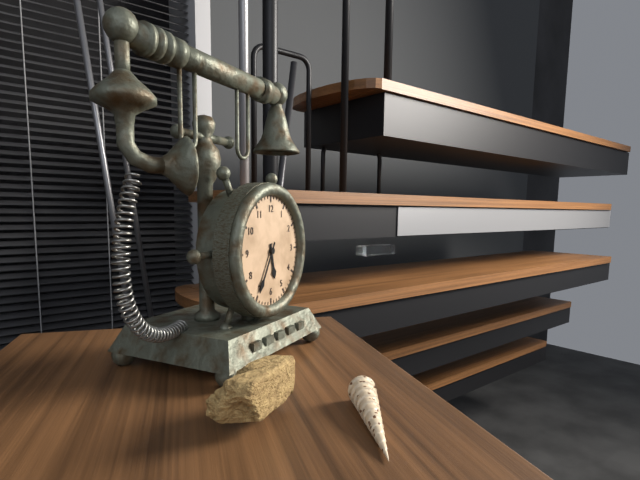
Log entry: 5:35
